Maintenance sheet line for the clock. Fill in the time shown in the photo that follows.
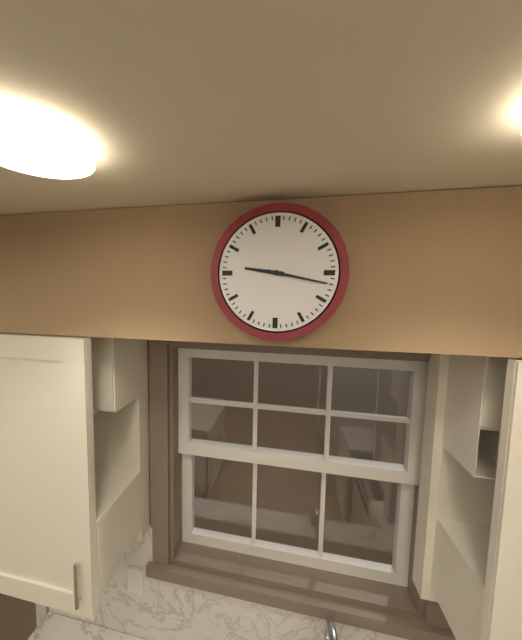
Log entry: 9:17
